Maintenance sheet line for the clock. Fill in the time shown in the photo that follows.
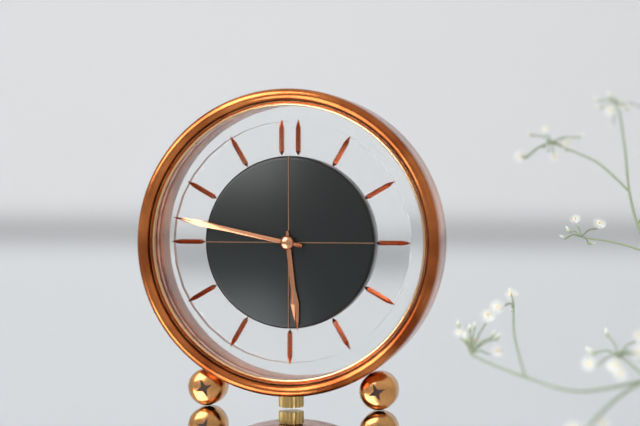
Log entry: 5:47
